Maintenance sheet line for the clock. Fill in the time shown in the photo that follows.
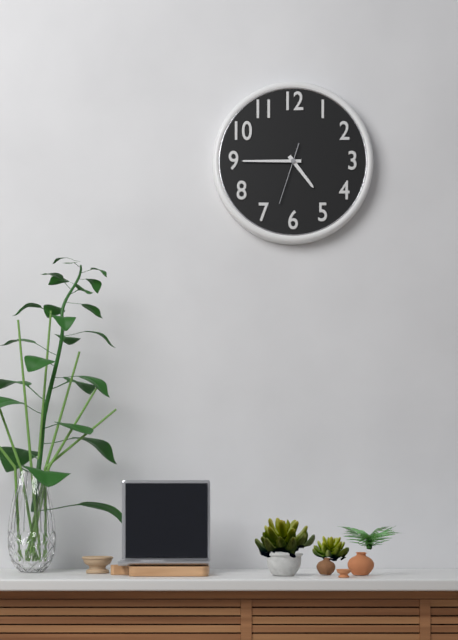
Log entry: 4:45:33
